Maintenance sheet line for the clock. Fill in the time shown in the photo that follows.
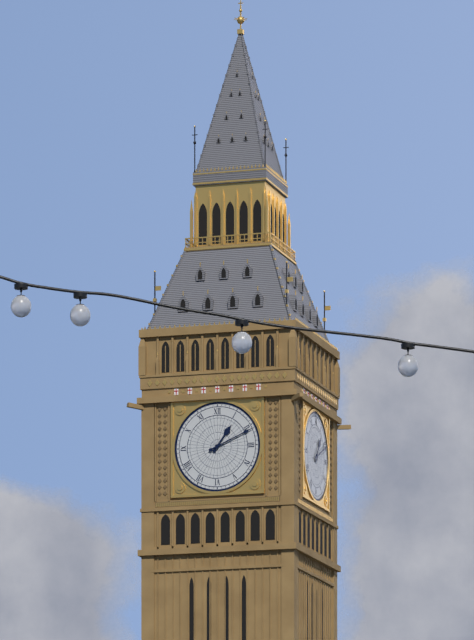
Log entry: 1:11
